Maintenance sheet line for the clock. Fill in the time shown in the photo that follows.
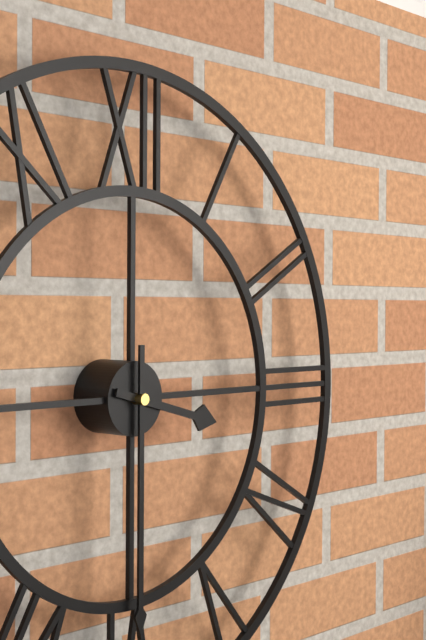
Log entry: 3:30
